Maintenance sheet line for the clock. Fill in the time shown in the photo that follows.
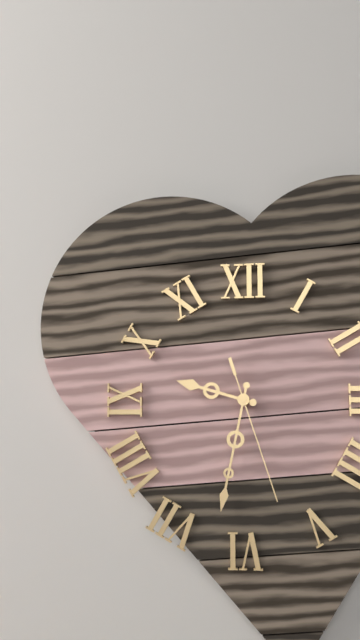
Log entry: 9:32:27
